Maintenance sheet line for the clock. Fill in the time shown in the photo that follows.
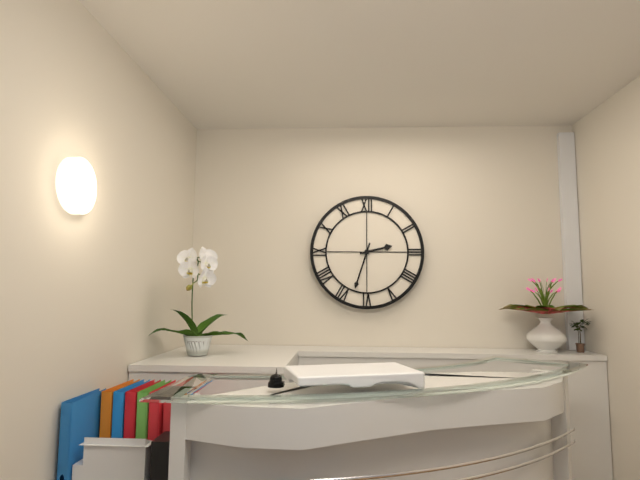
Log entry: 2:33
